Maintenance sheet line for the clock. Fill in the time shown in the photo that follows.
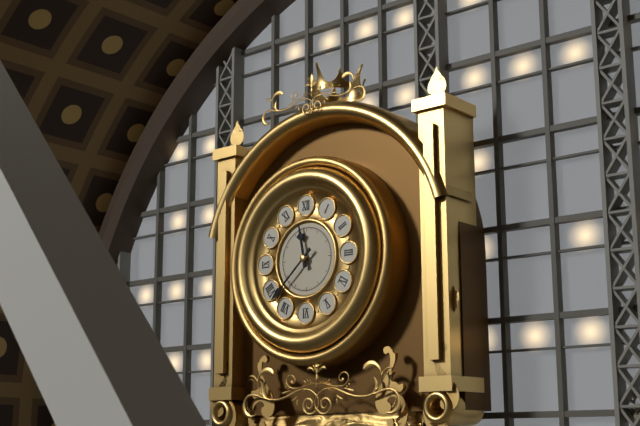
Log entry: 11:38
